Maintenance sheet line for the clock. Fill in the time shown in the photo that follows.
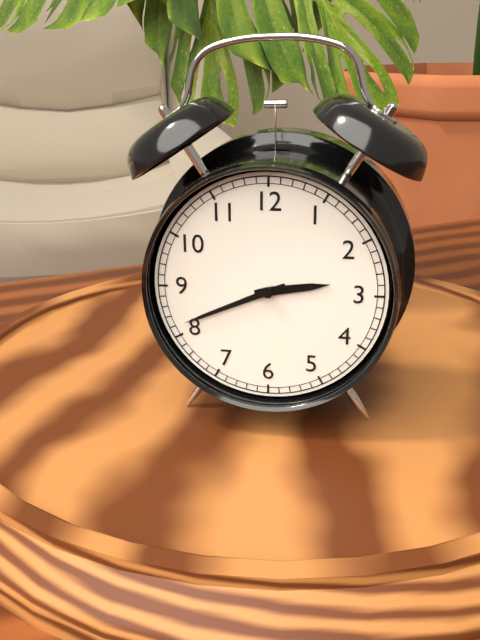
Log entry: 2:41
